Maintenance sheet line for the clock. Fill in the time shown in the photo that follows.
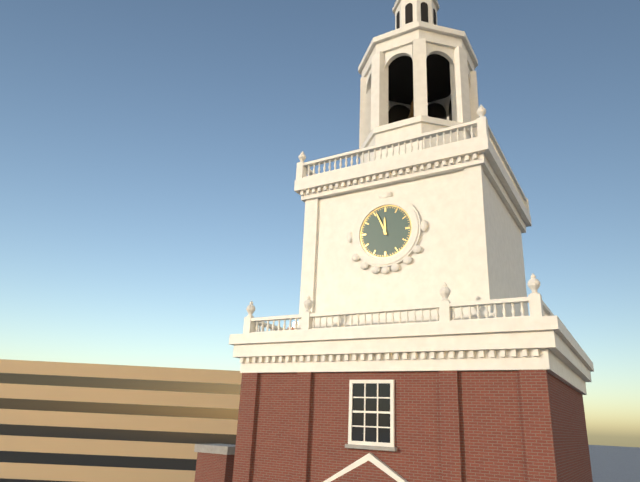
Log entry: 11:56
